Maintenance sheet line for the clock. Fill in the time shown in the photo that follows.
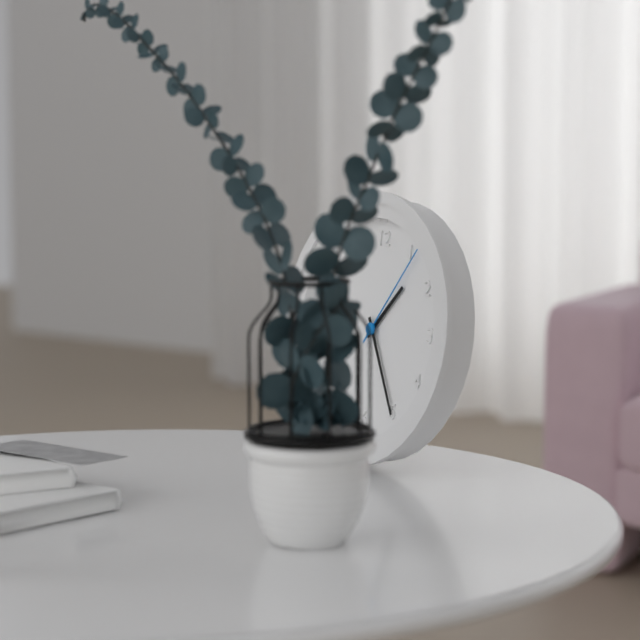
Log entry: 1:25:06
